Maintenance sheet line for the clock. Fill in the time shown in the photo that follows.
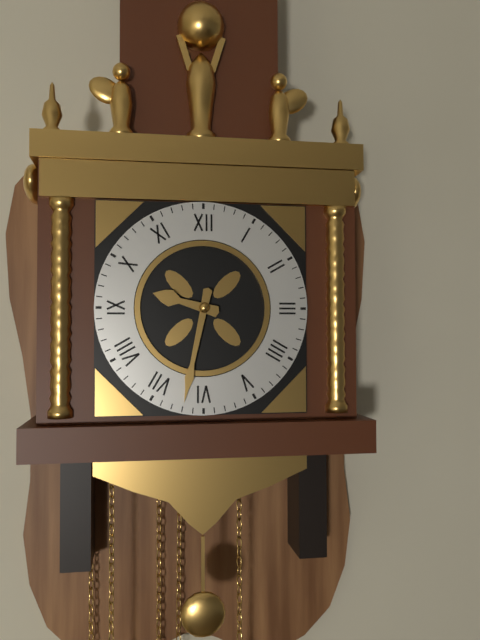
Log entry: 9:32
